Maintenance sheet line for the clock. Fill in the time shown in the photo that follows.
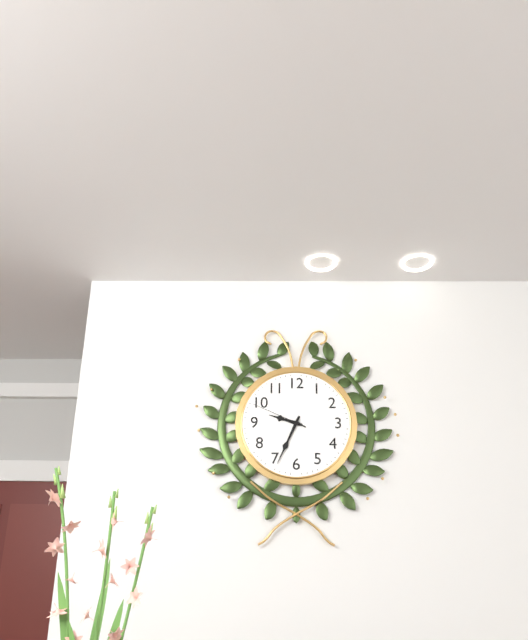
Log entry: 9:34:49
